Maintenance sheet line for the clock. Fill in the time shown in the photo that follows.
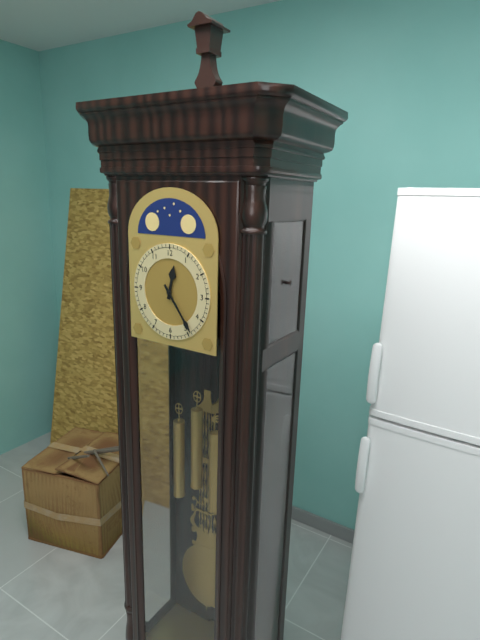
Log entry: 12:24
